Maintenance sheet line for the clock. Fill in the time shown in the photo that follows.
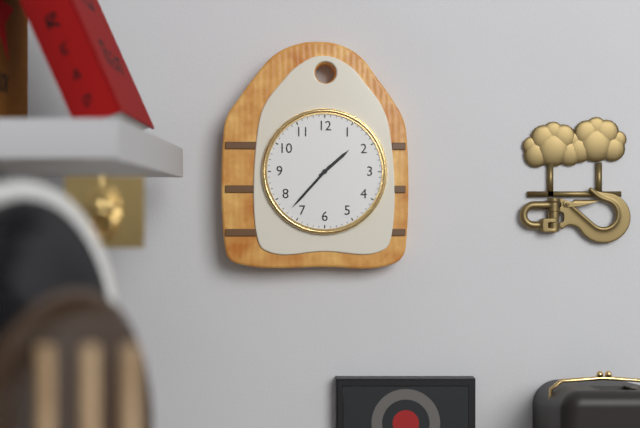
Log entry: 1:37
